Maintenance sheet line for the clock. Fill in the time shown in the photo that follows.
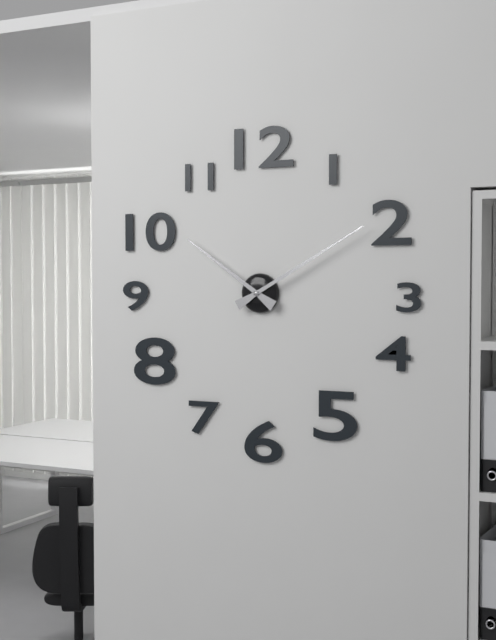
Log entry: 10:10
